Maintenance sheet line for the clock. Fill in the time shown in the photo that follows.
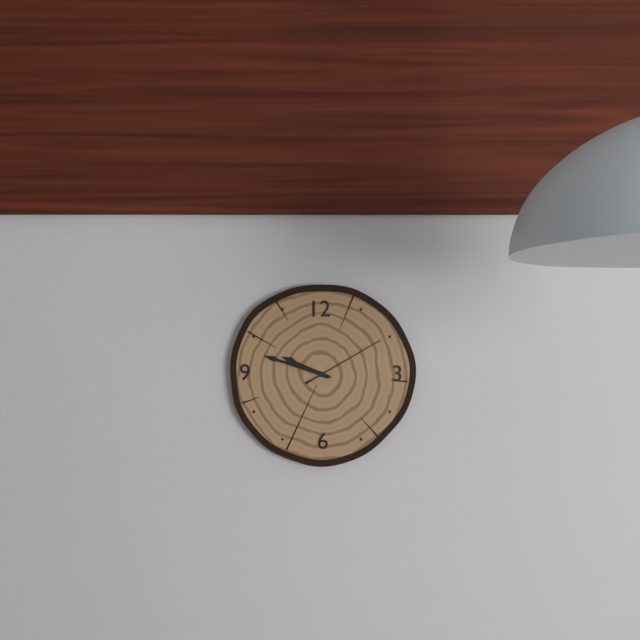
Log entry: 9:48:10
